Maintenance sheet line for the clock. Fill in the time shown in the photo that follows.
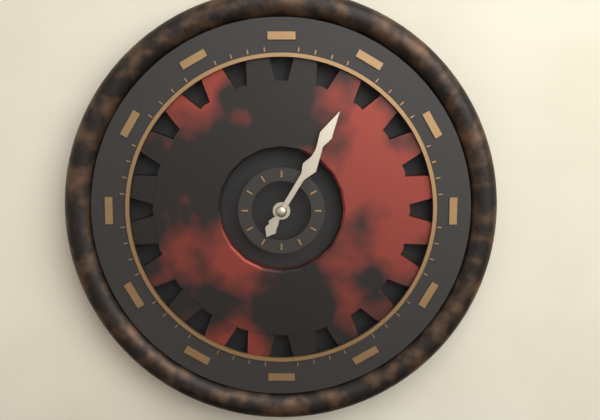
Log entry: 1:05
